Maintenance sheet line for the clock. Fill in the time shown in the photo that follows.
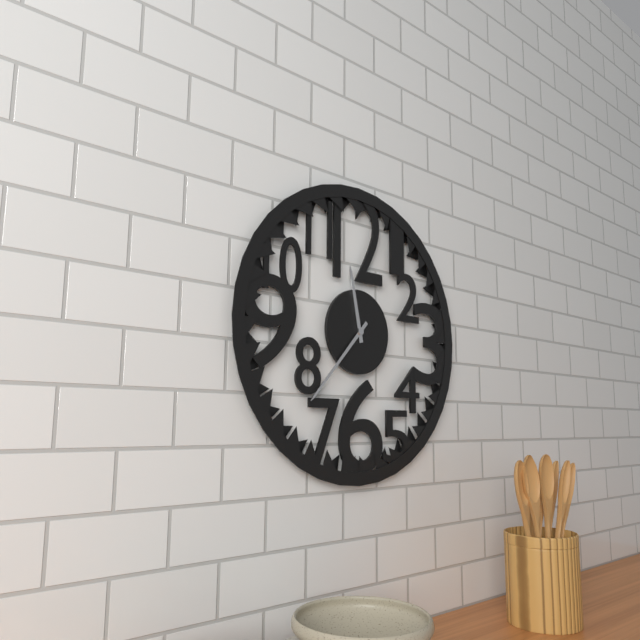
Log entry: 11:37
